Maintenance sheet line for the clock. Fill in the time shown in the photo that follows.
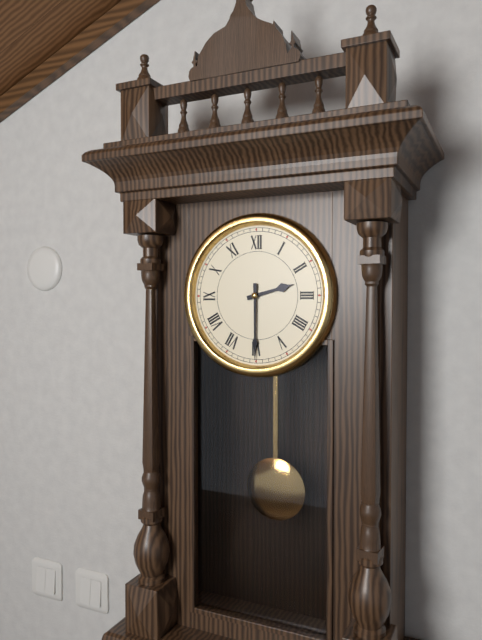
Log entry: 2:30
